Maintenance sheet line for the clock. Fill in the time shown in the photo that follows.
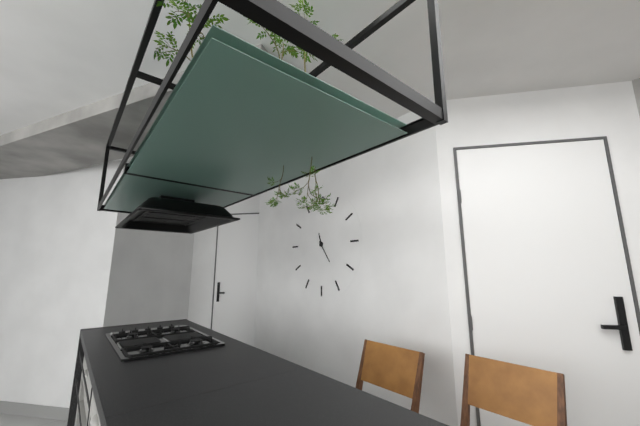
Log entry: 11:24
